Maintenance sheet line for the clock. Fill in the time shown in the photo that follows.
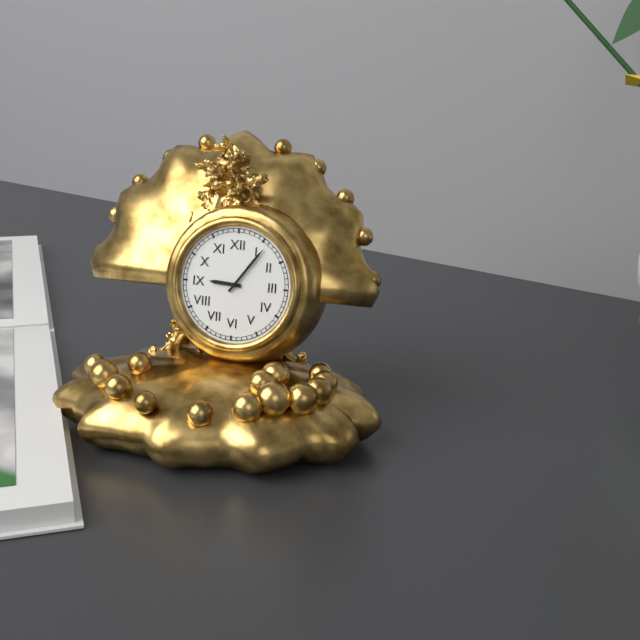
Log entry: 9:06
